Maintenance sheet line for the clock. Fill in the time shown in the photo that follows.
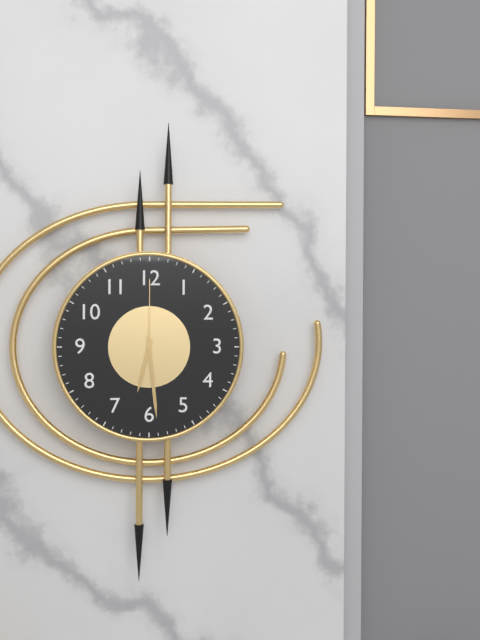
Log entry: 6:29:00
